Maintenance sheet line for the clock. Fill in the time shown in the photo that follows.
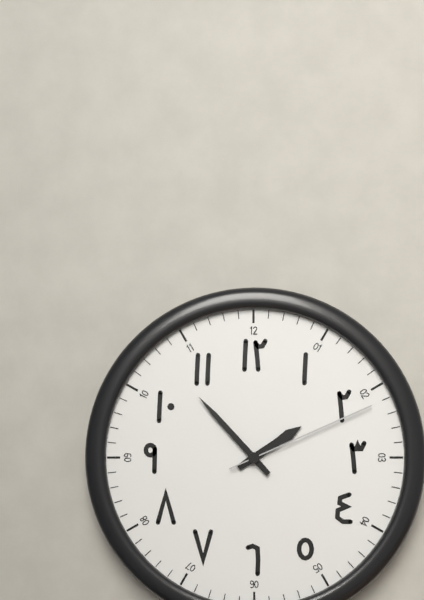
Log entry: 1:53:11
